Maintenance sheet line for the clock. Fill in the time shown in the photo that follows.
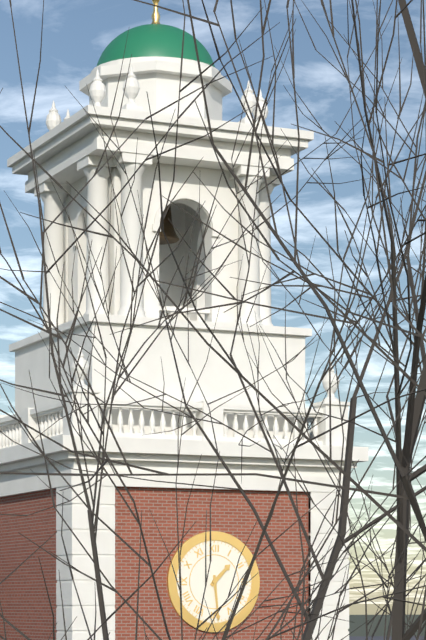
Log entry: 1:29
